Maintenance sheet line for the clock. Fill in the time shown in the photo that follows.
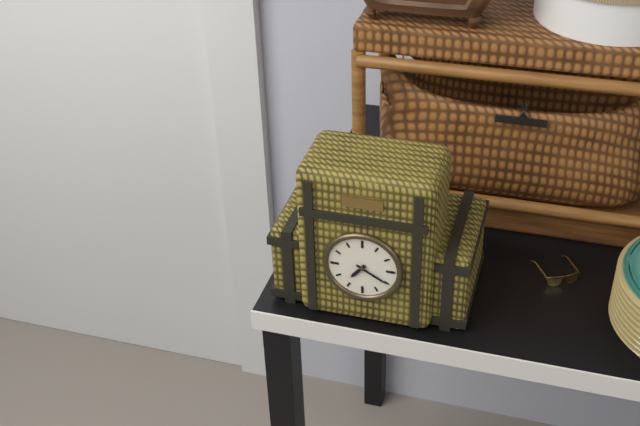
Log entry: 7:20
